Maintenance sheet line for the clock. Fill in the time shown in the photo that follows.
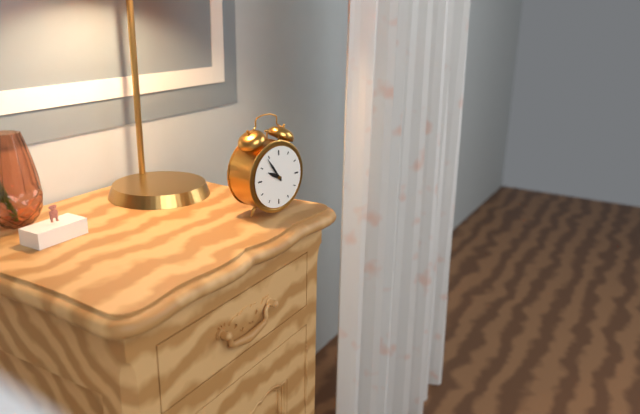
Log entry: 9:54
